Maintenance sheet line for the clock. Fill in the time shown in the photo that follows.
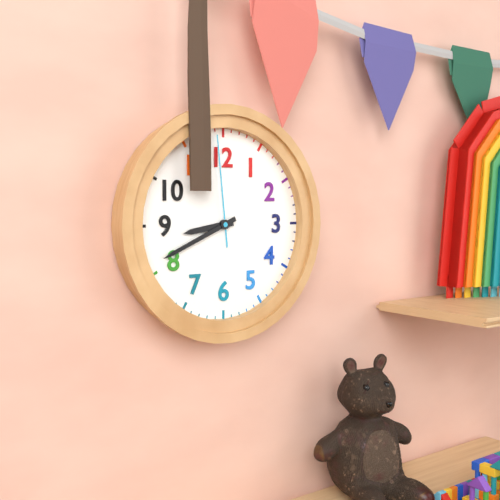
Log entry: 8:41:59
